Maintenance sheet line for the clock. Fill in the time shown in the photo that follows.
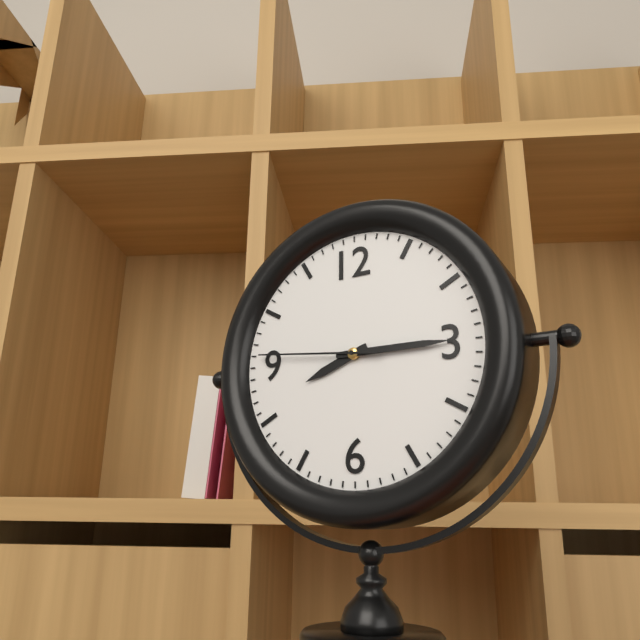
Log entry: 8:15:46
